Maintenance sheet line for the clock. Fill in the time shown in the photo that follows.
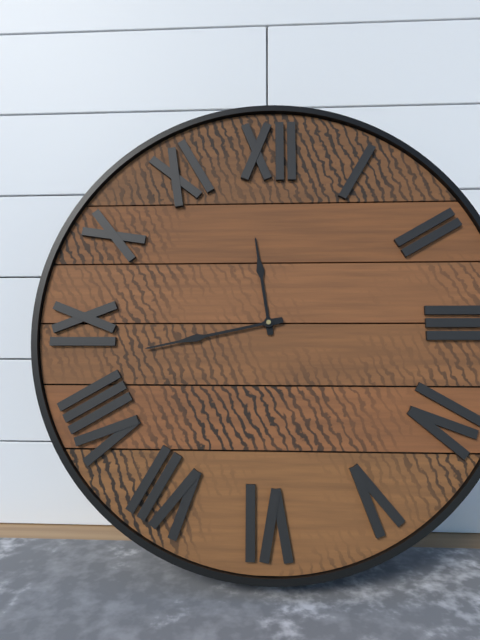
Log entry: 11:43
